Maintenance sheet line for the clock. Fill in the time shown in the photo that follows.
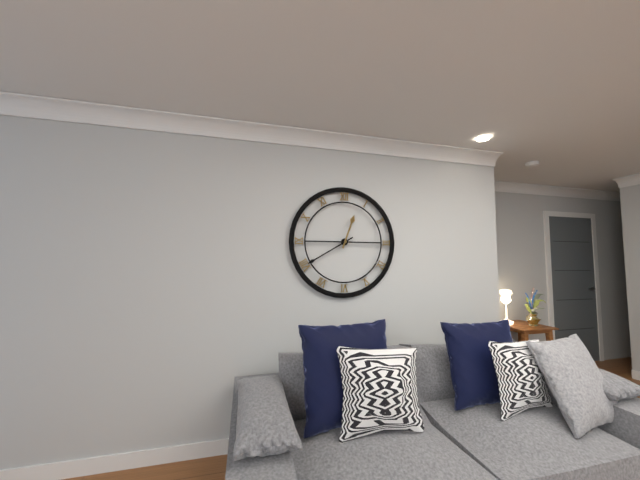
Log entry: 12:40
